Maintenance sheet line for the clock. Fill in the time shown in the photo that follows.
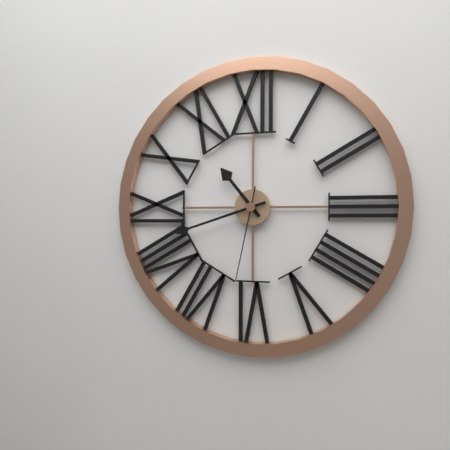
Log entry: 10:42:32
